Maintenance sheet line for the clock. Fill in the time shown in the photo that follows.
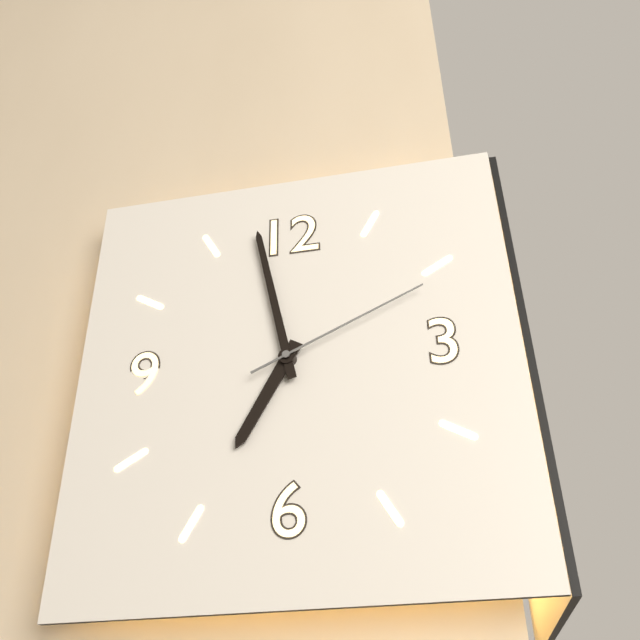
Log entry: 6:58:11
